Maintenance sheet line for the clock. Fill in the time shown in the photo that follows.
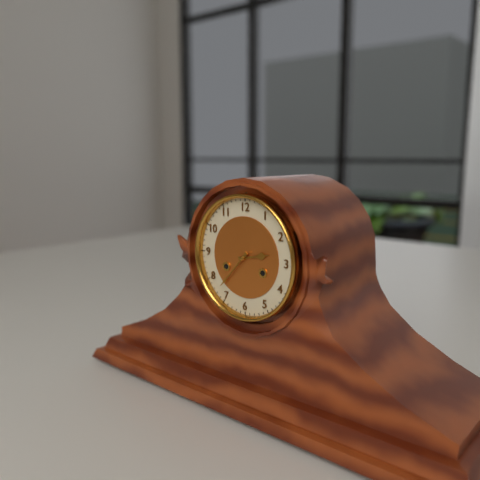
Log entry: 2:37
